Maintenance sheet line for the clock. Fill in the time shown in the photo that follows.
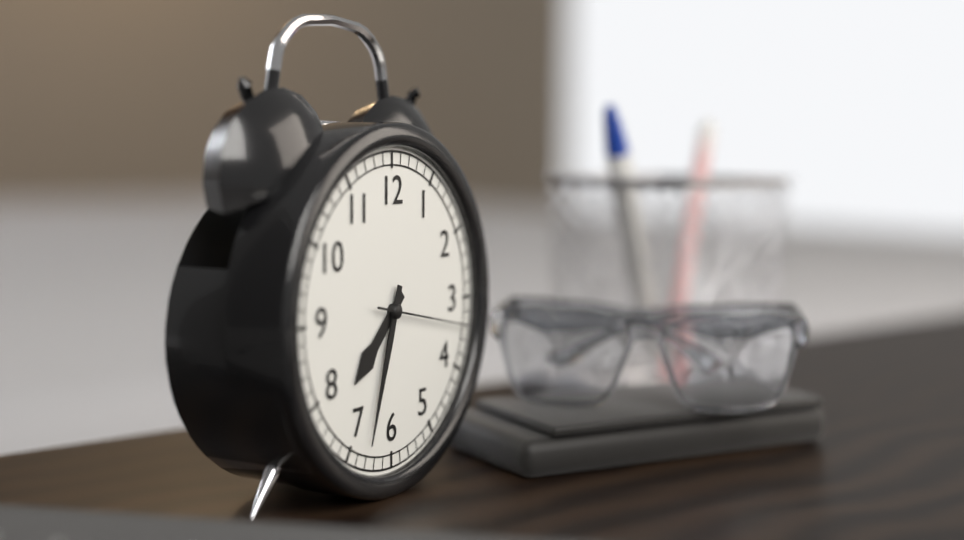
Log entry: 7:33:17
